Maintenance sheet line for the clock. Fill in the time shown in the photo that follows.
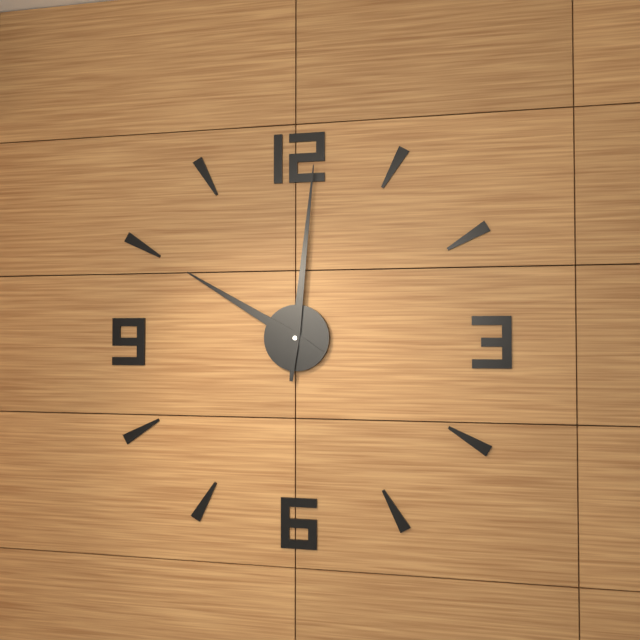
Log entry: 10:01
